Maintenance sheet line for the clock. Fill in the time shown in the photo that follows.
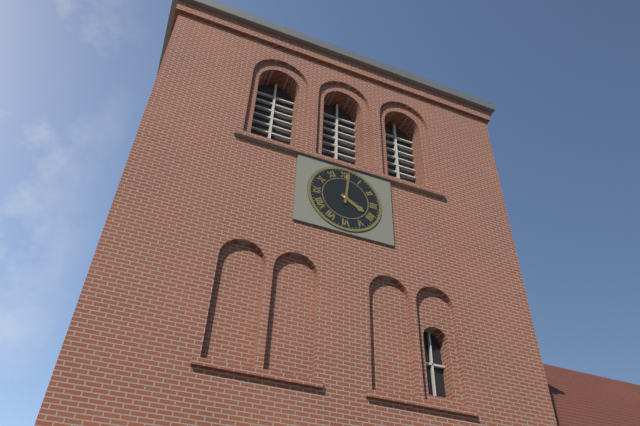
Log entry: 4:01
